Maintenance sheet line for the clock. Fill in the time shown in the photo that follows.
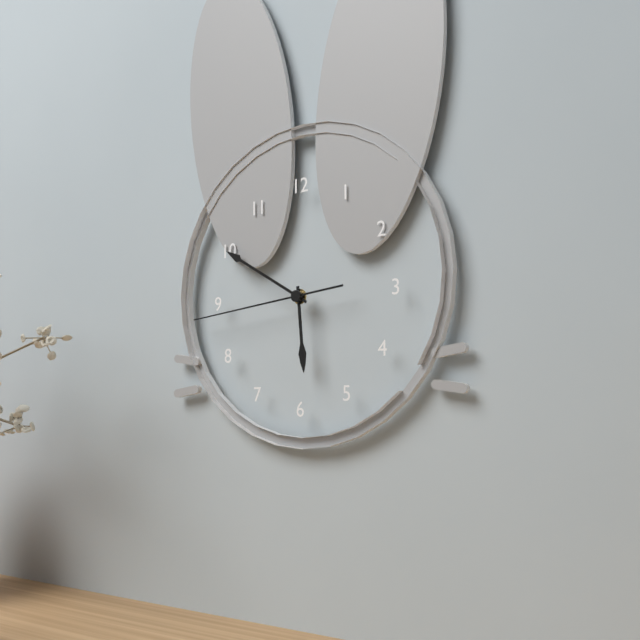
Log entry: 5:50:44
